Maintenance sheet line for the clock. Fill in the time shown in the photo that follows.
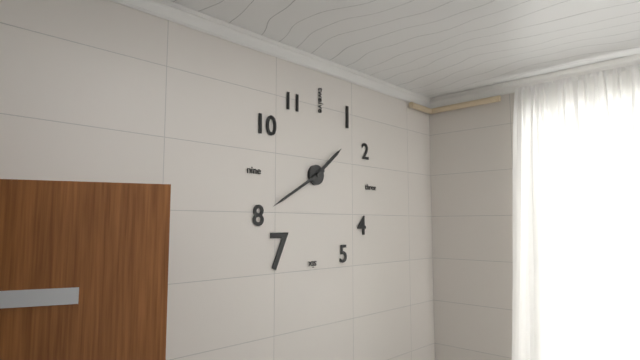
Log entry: 1:40
